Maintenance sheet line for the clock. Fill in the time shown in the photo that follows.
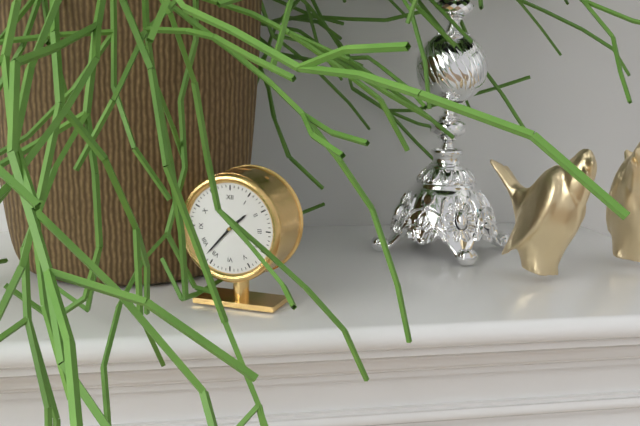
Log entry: 1:37
